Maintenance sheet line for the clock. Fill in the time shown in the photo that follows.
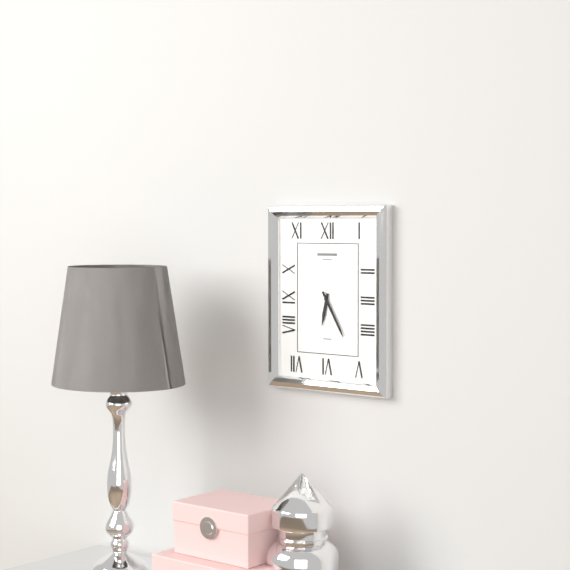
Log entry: 6:25
